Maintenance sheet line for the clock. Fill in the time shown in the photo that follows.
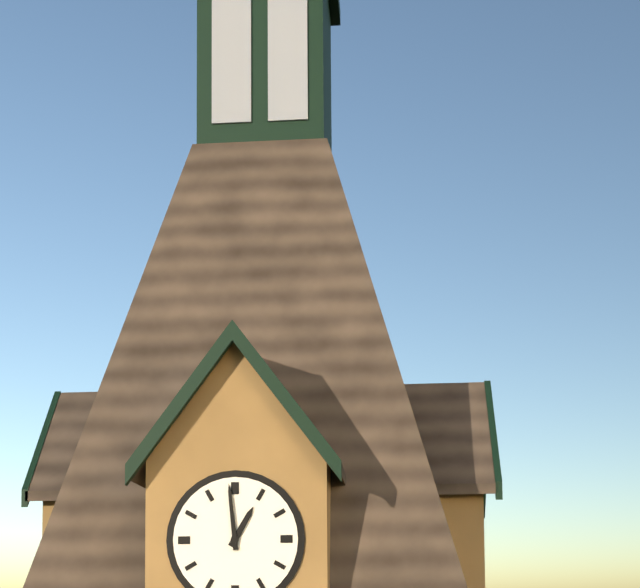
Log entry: 12:59
